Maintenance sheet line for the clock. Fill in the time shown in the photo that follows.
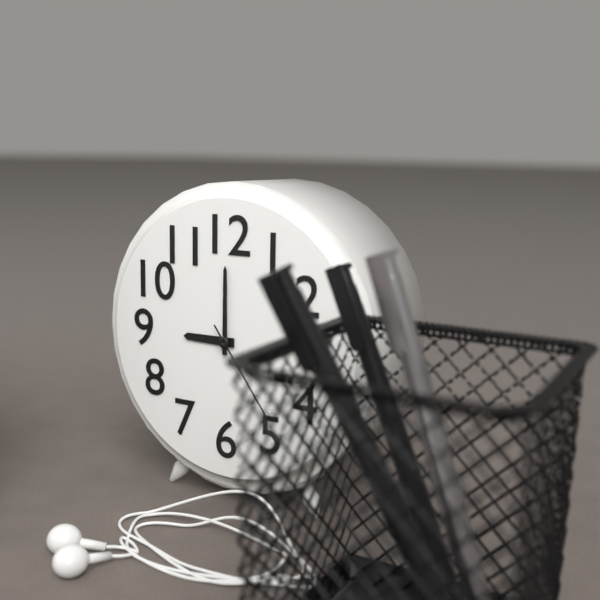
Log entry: 9:00:24
